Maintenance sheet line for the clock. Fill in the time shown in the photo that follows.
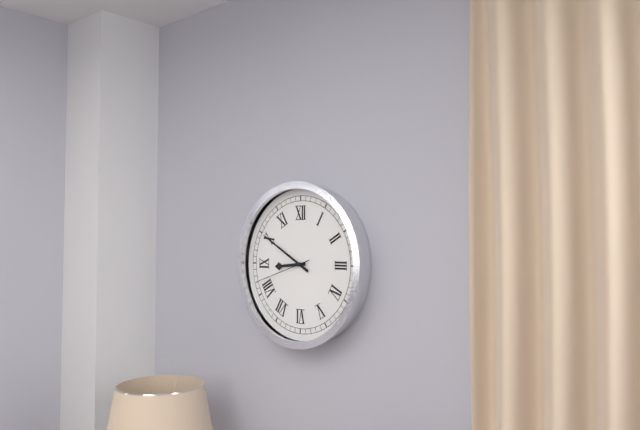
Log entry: 8:50:42
